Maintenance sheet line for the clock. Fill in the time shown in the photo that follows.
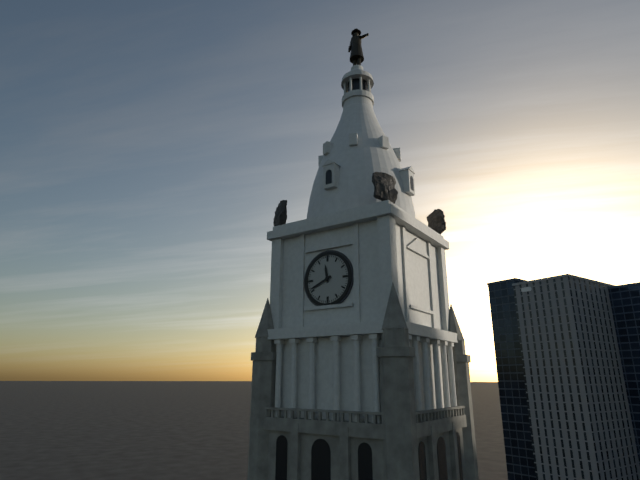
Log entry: 11:41
